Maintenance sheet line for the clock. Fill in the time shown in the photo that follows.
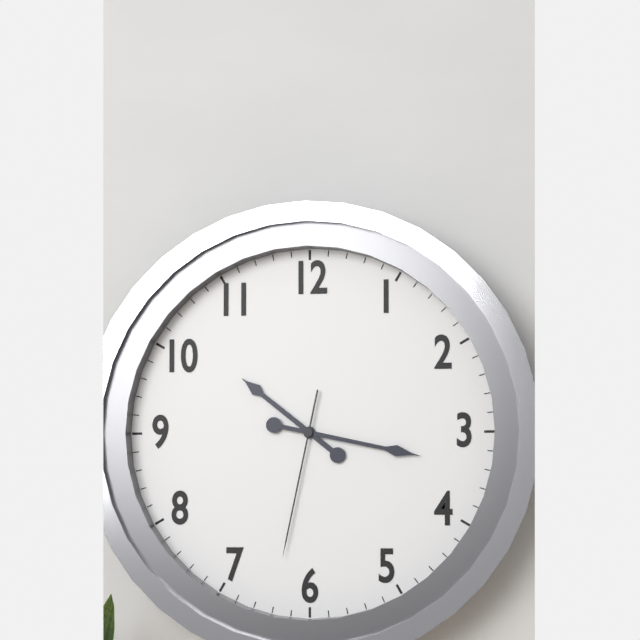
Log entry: 10:17:32
